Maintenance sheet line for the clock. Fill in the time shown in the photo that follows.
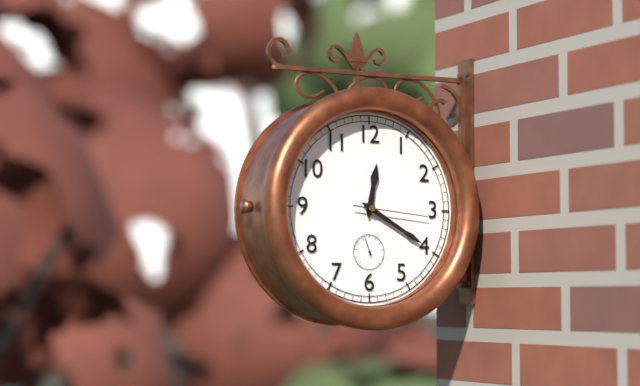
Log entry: 12:20:16
